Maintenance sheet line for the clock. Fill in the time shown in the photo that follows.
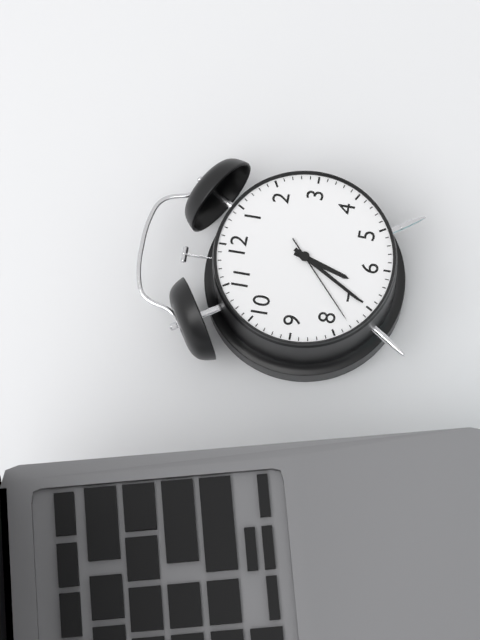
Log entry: 6:35:38
